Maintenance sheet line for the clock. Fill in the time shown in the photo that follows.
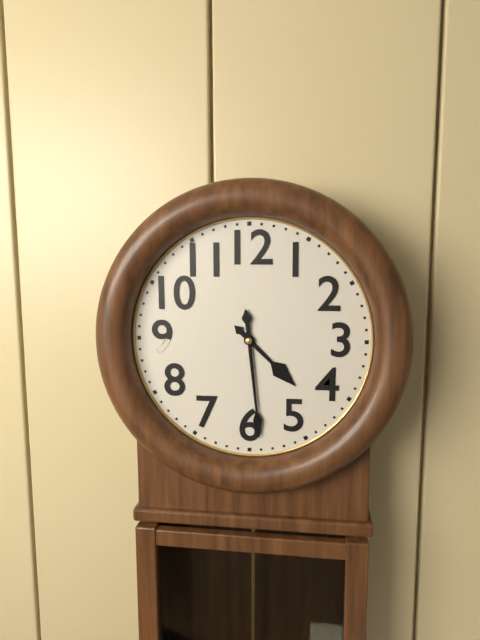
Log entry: 4:29
